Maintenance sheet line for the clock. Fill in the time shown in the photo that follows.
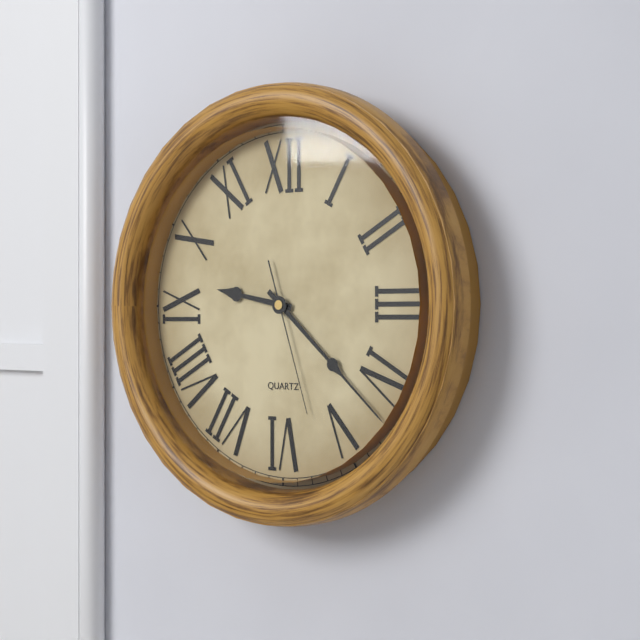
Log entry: 9:22:27
